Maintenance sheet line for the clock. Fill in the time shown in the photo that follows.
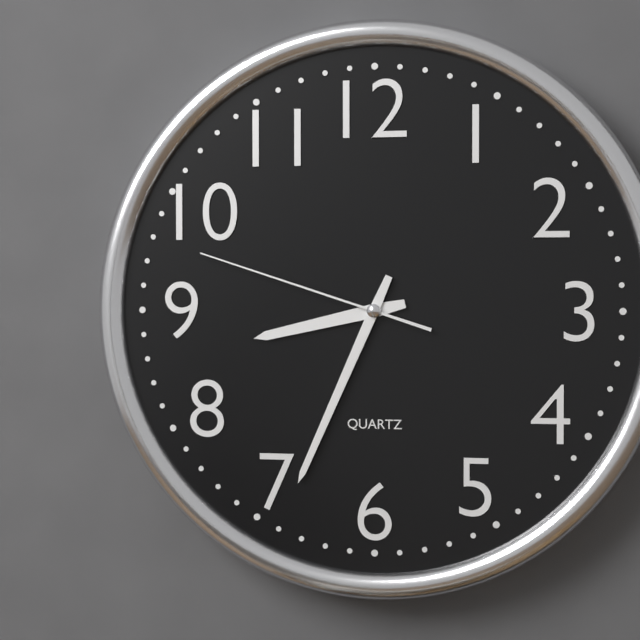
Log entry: 8:34:48
